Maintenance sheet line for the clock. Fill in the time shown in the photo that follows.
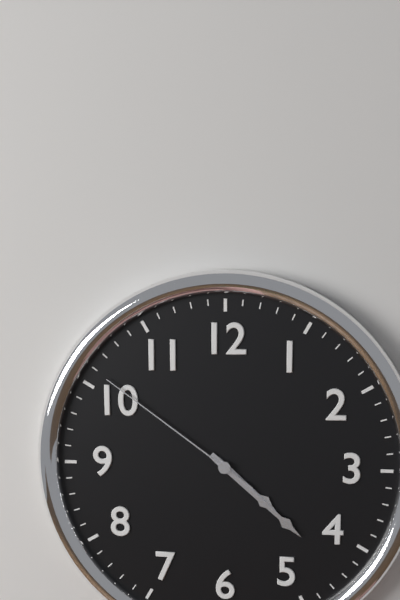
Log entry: 4:22:51
